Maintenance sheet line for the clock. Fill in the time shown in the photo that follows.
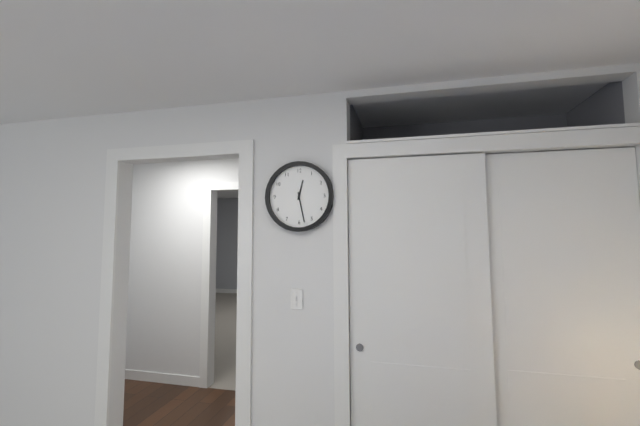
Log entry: 12:28
